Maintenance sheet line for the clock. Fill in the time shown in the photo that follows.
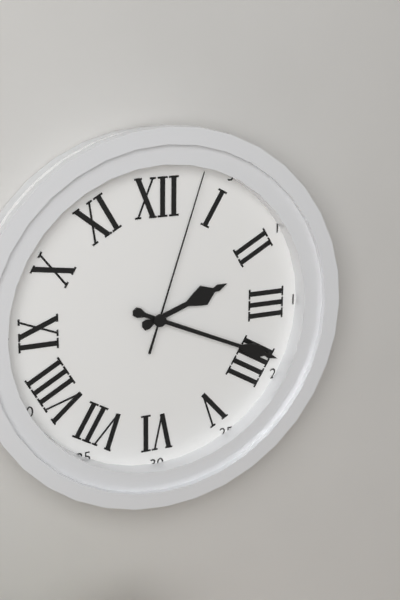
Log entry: 2:19:03
